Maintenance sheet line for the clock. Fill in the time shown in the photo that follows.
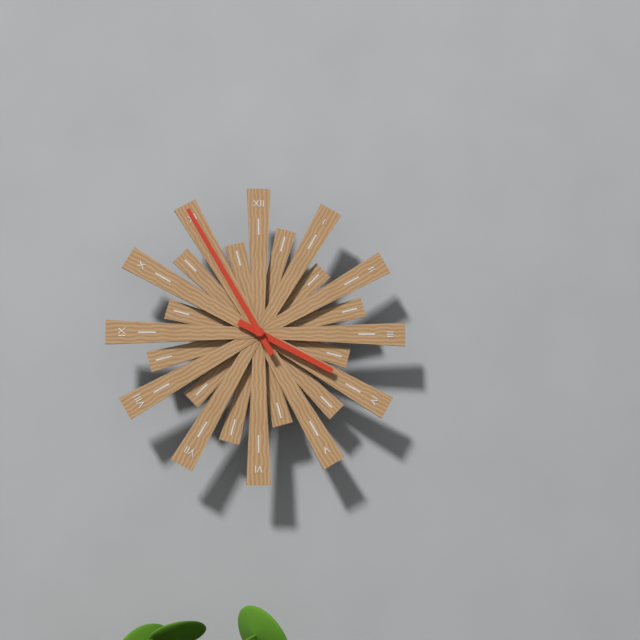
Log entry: 3:55
